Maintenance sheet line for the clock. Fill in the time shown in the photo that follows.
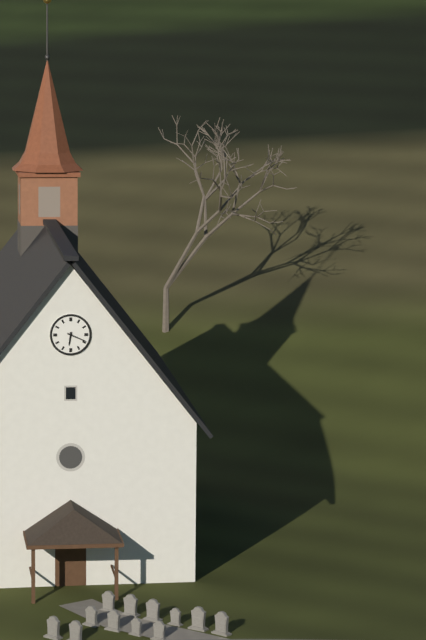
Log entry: 6:19
